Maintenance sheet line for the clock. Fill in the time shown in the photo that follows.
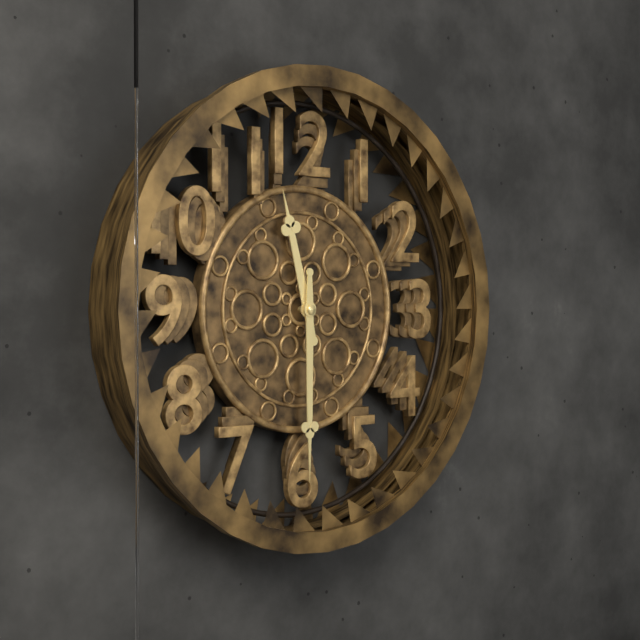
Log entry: 11:30
